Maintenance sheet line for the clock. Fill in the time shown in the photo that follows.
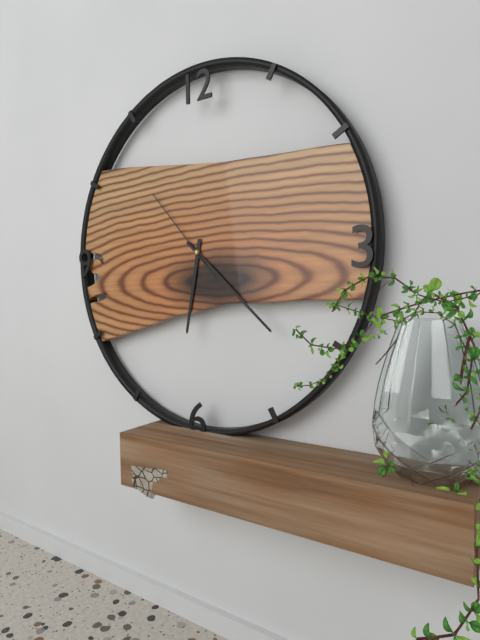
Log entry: 6:22:53
